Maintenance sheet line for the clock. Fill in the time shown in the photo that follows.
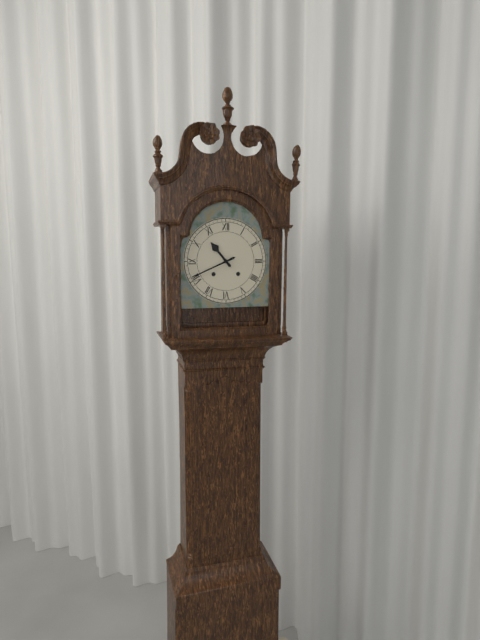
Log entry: 10:41
